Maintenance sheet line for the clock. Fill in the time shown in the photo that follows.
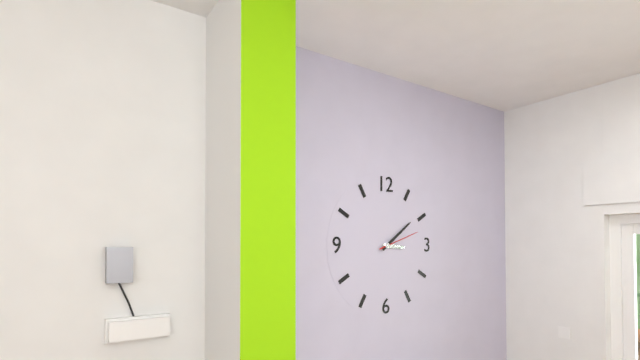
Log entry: 3:09
